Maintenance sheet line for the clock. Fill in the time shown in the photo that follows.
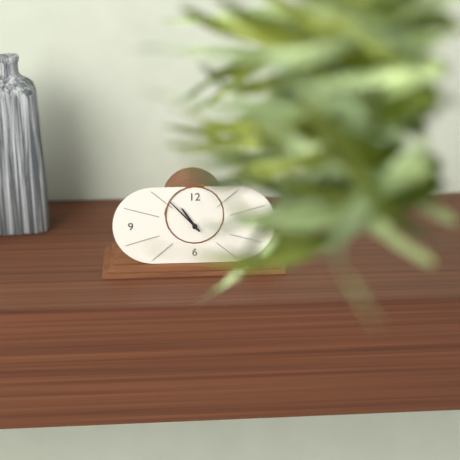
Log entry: 10:53
